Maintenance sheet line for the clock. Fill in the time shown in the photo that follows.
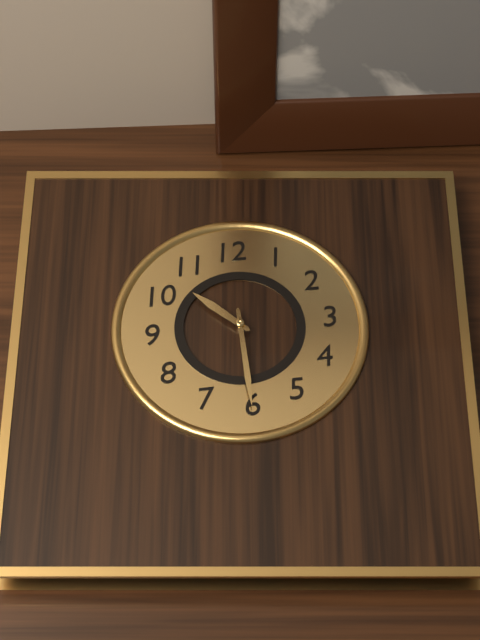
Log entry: 10:30
